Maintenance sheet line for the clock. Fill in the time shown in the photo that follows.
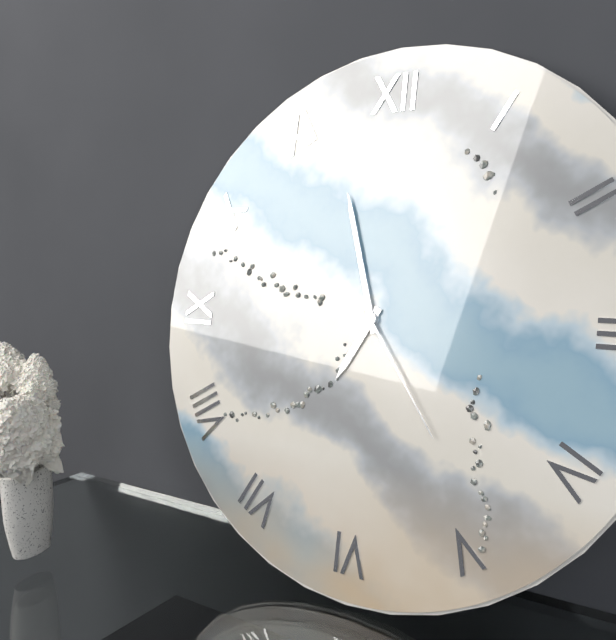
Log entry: 6:57:24
